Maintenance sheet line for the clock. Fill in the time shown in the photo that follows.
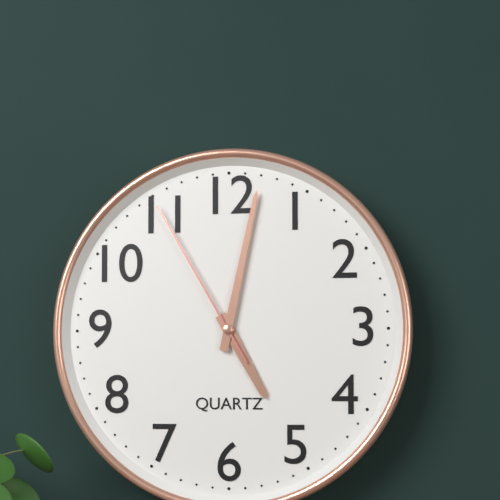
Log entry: 5:02:55
